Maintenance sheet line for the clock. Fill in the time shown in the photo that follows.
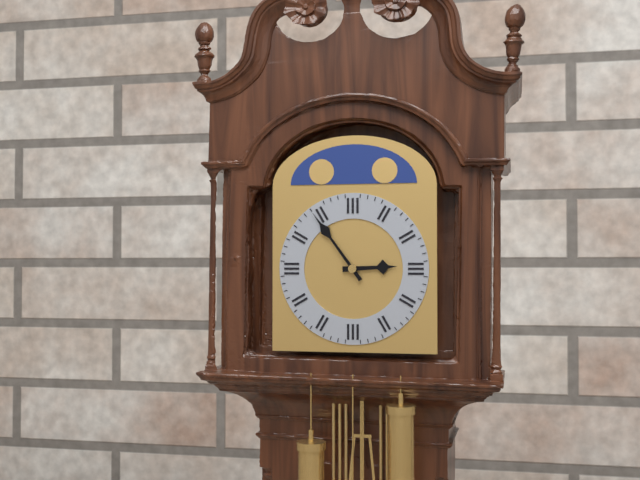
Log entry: 2:54
